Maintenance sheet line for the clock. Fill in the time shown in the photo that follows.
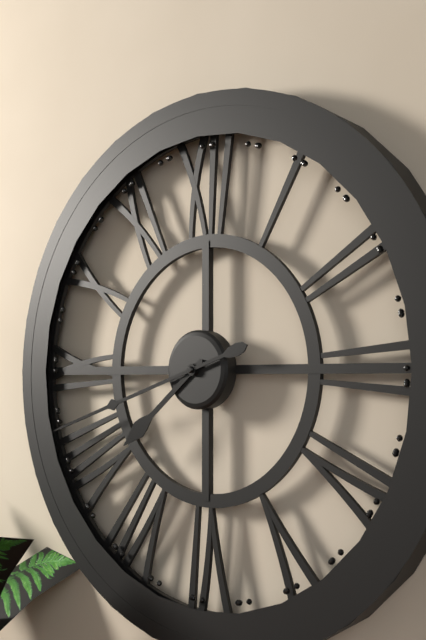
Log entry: 7:42
